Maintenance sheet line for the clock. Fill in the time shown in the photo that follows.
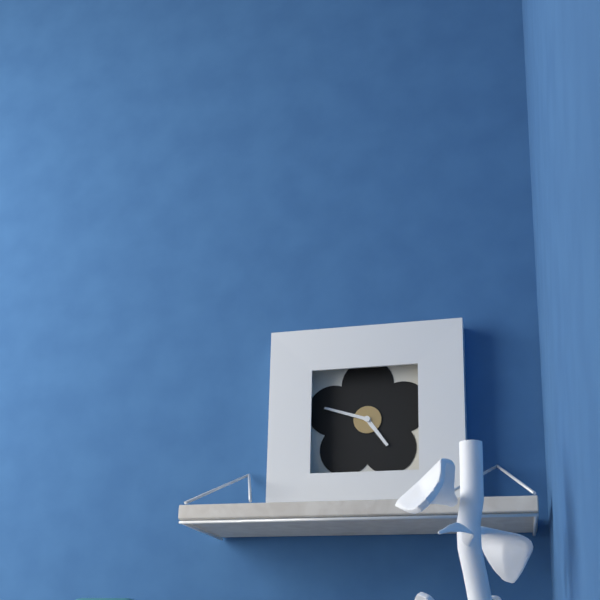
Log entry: 4:48
